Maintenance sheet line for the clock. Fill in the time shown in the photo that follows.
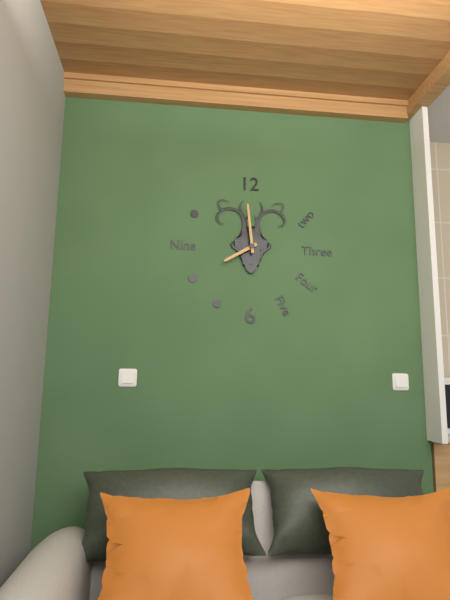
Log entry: 7:59
